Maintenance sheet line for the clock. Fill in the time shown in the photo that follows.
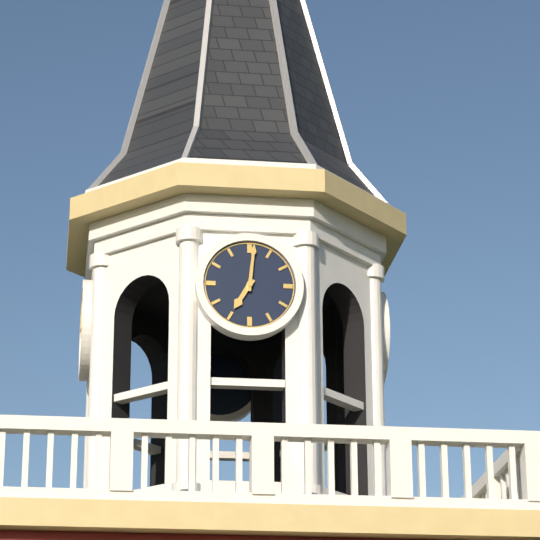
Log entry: 7:01
